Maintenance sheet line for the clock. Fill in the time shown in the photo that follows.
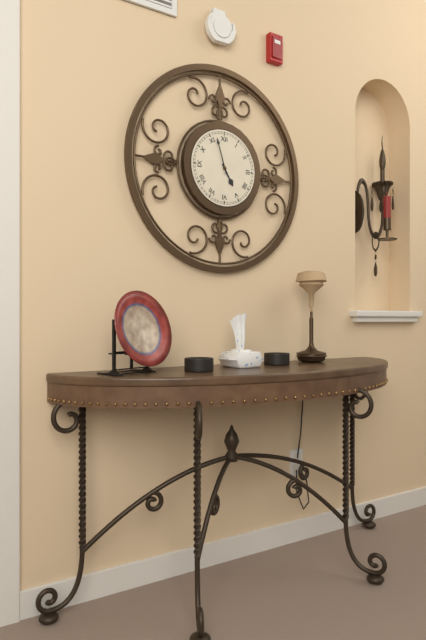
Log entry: 4:57
